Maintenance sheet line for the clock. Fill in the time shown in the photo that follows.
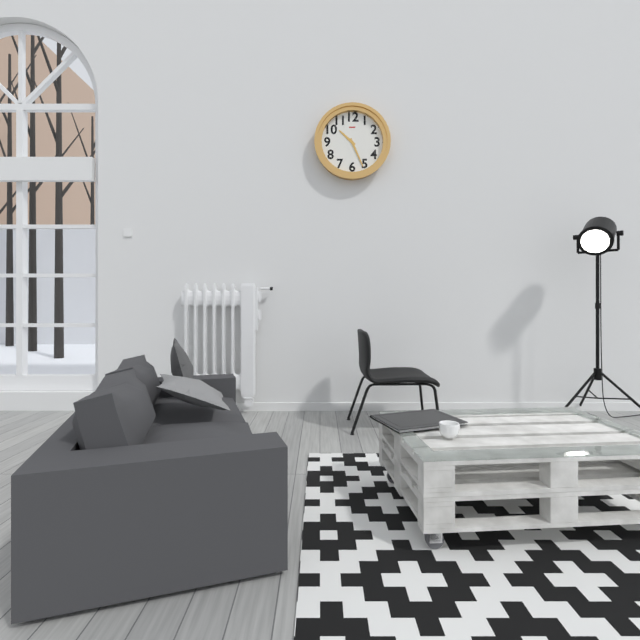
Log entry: 10:26
